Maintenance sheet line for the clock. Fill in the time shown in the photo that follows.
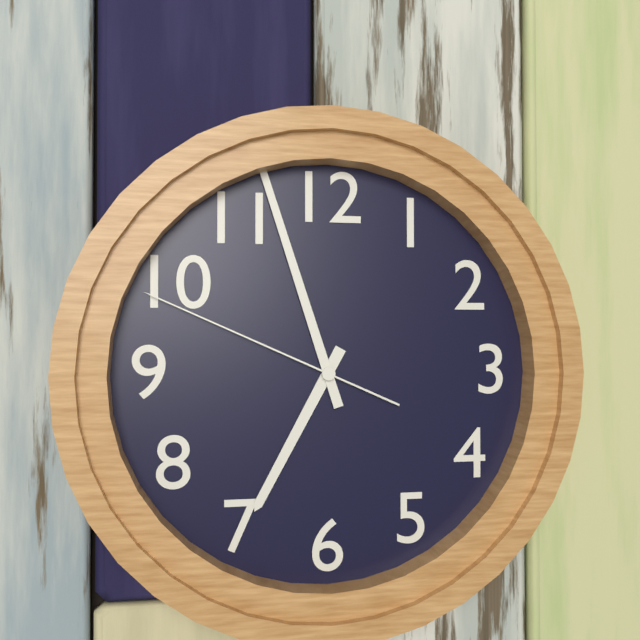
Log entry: 6:57:49
